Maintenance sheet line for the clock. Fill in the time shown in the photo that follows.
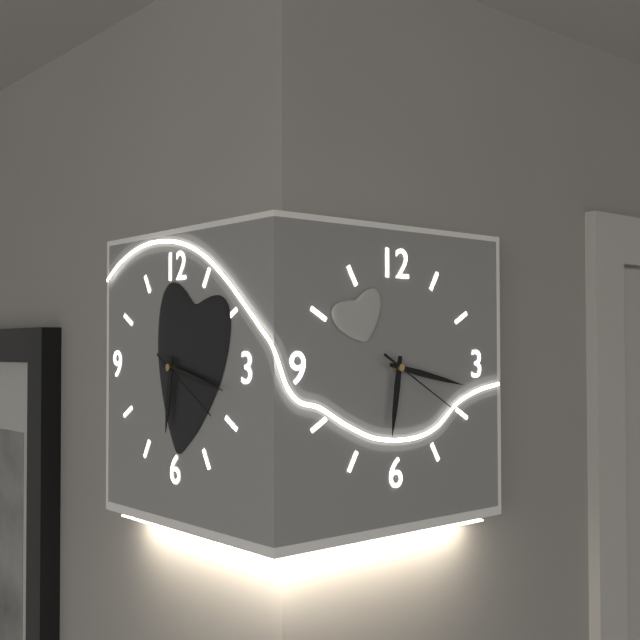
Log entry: 6:17:20
